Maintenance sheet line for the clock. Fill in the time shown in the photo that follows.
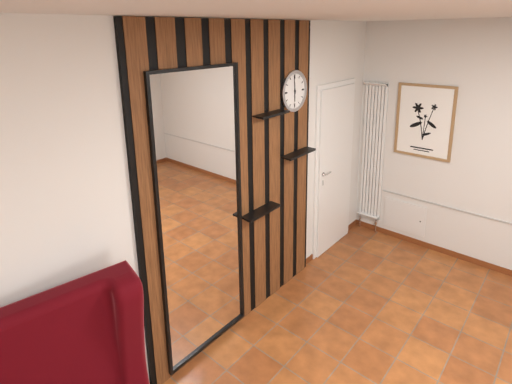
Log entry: 5:59
